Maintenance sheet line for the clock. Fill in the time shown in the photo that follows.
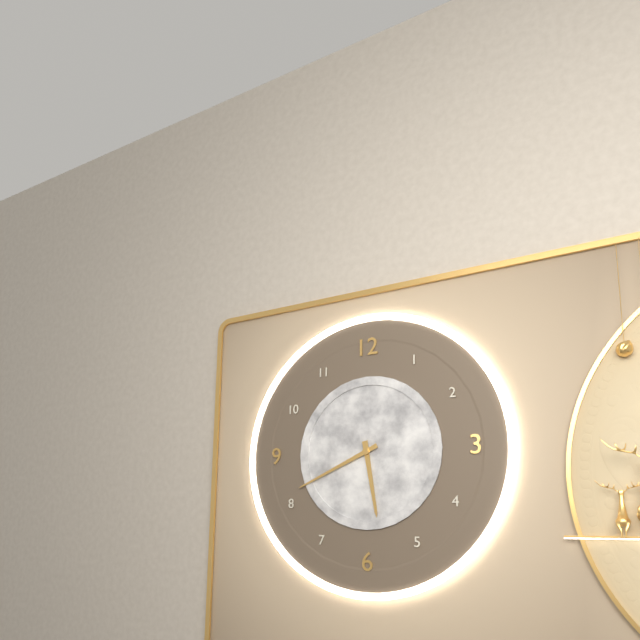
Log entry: 5:41
